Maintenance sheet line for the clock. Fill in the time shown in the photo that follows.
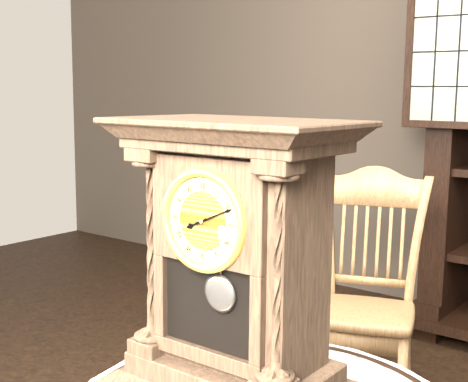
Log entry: 8:11
